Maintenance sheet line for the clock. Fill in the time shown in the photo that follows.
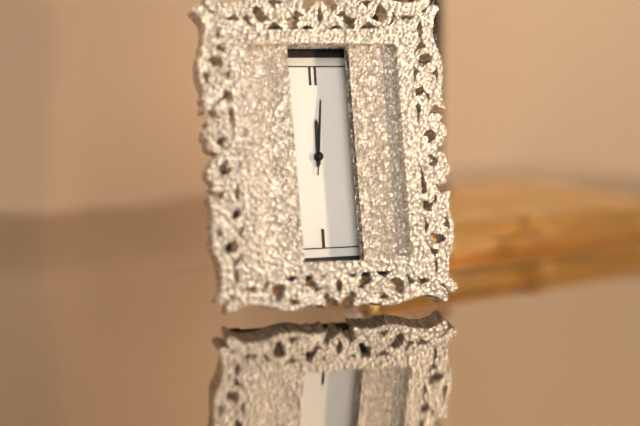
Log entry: 12:01:01
